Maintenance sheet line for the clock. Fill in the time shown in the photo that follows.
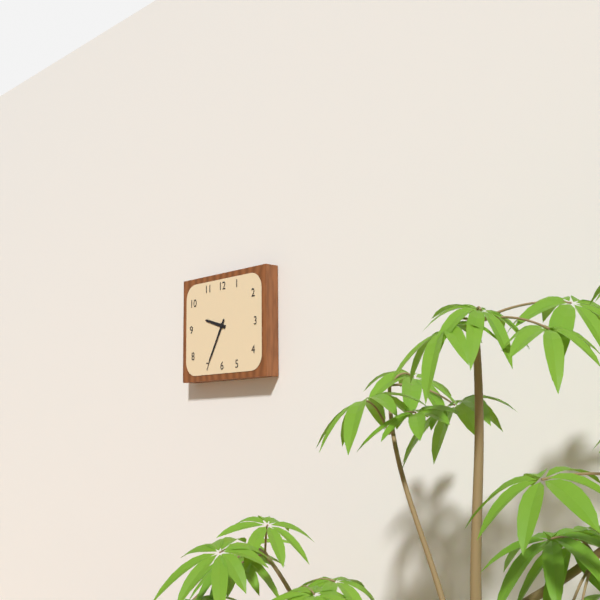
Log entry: 9:35
